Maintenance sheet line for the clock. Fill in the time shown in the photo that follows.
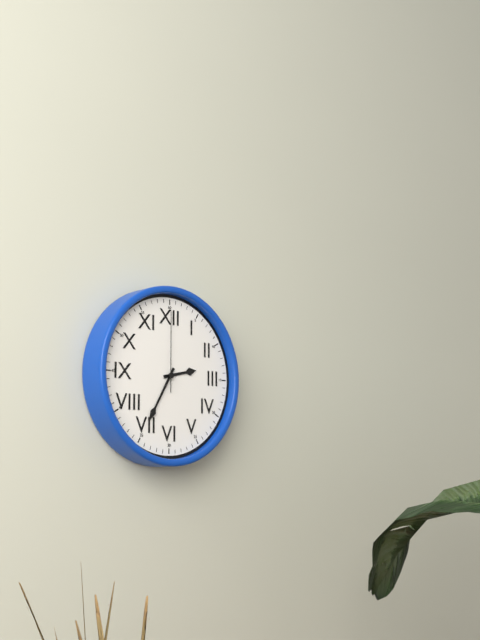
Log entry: 2:35:00
